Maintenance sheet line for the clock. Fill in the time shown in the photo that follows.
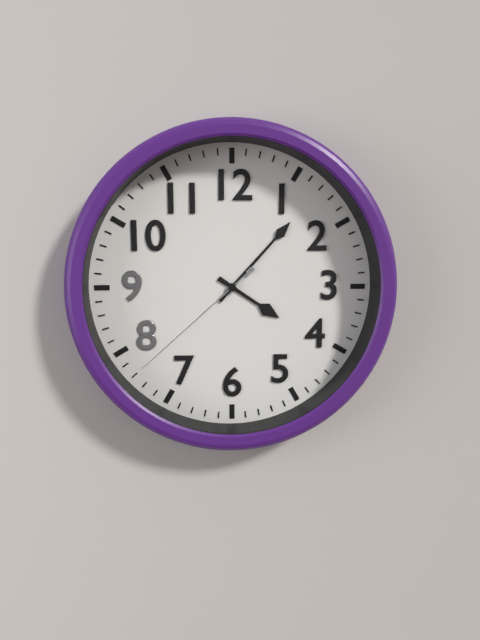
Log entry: 4:07:38
